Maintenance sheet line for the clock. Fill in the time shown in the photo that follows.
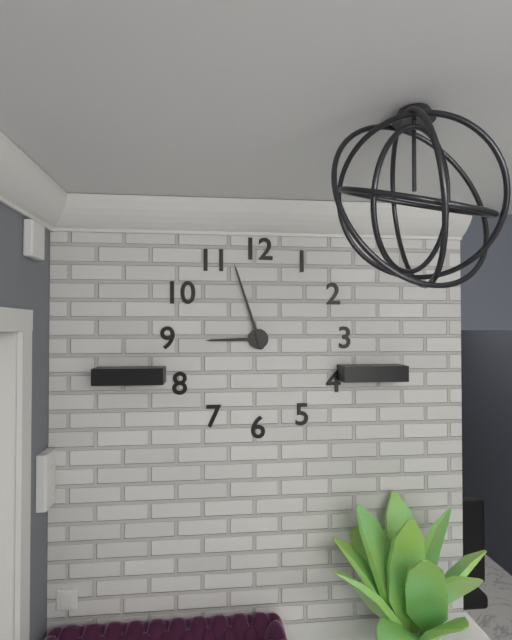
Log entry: 8:57
